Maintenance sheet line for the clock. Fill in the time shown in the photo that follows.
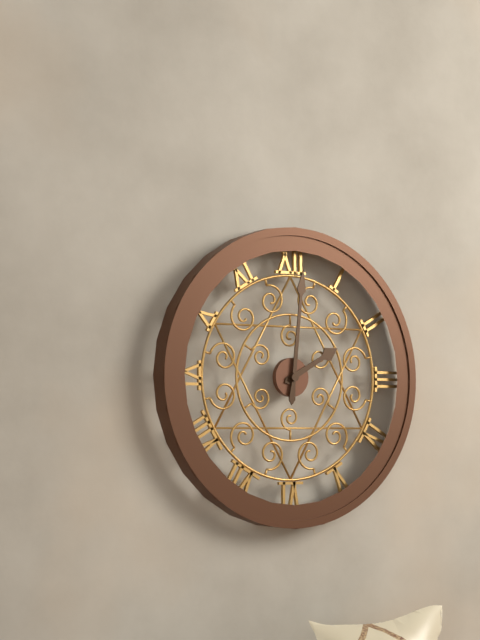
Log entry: 2:01
